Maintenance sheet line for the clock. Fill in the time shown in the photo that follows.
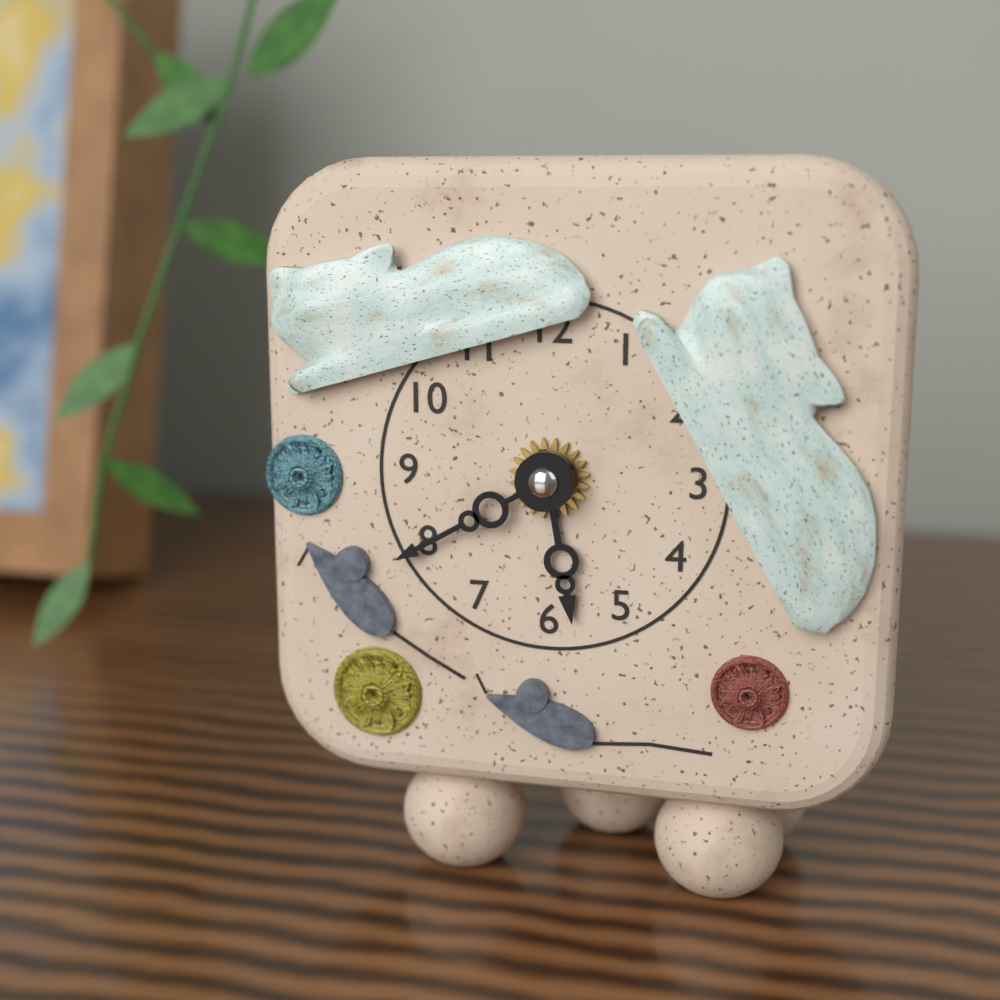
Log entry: 5:40
